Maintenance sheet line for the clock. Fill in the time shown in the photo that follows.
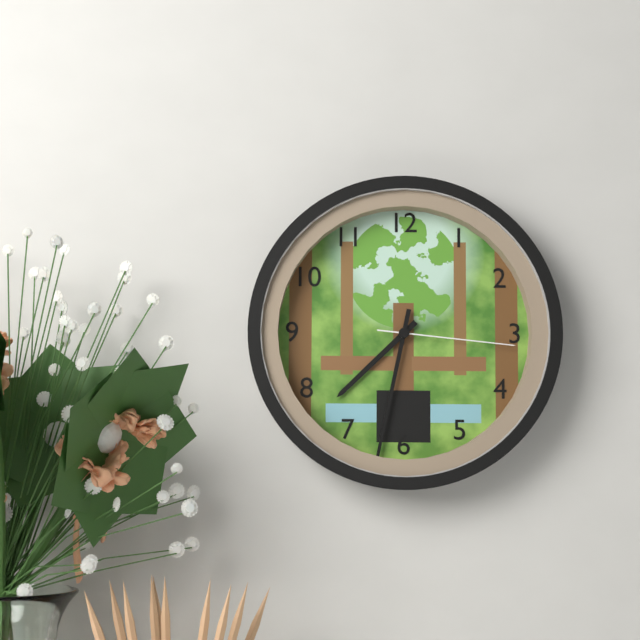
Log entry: 7:32:16
